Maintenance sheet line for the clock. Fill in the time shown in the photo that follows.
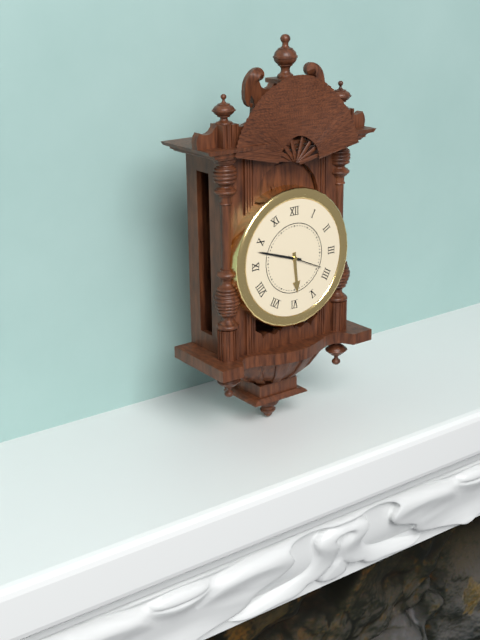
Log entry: 5:48
